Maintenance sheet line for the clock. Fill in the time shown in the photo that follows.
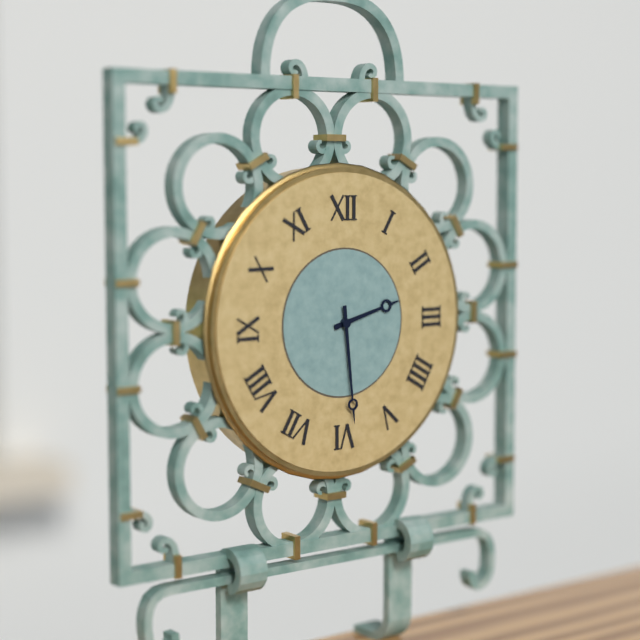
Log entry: 2:29
